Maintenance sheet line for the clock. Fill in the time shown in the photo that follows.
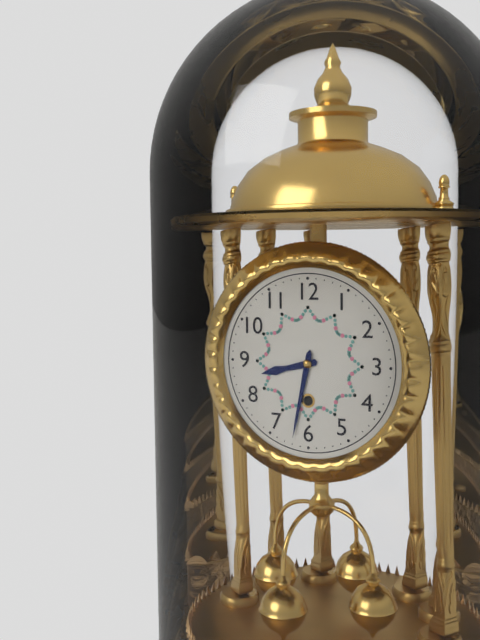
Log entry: 8:32
